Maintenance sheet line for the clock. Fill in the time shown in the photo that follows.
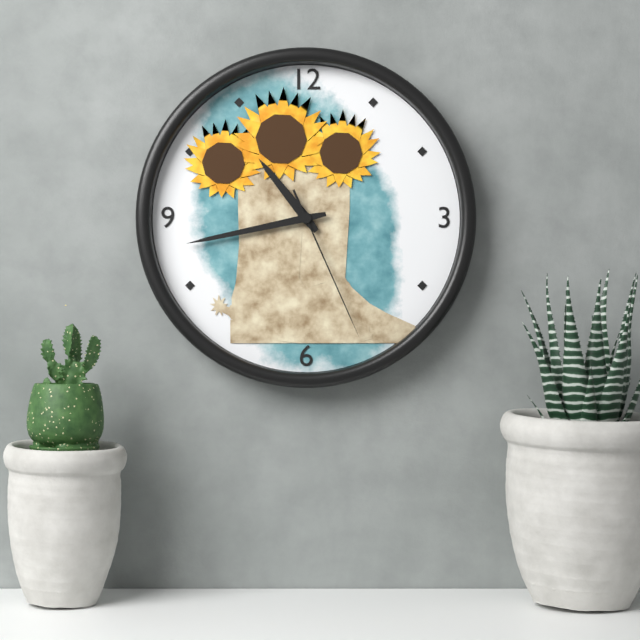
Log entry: 10:43:26
